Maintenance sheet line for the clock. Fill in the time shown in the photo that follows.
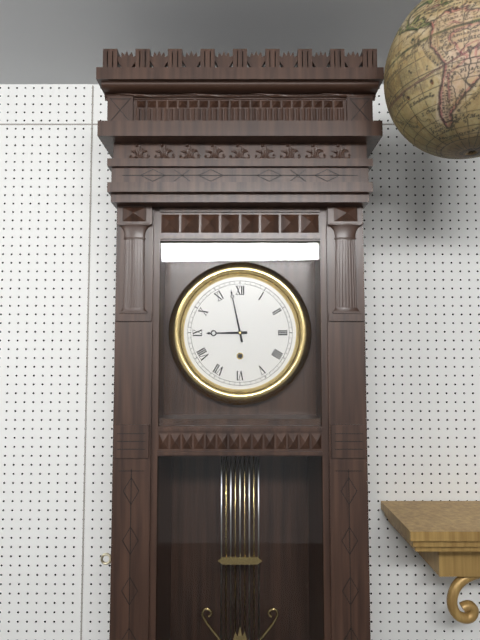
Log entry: 8:58
